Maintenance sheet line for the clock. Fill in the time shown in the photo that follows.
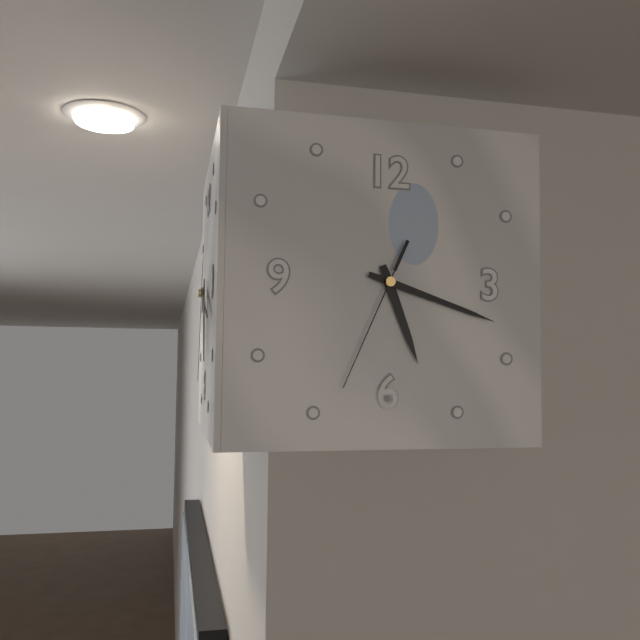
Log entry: 5:18:34
